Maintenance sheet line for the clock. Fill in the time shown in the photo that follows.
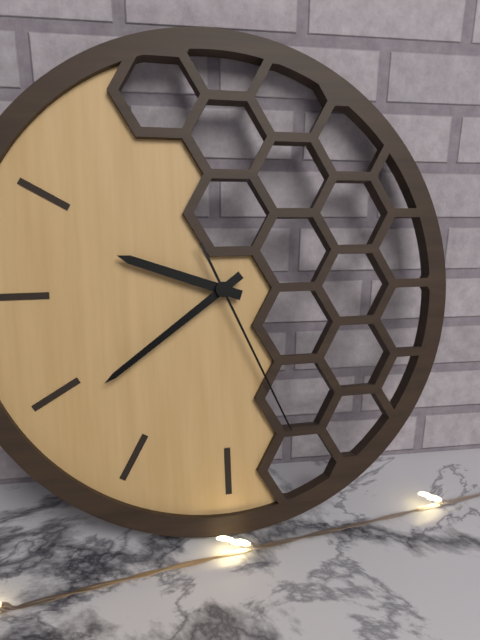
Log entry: 9:39:26
